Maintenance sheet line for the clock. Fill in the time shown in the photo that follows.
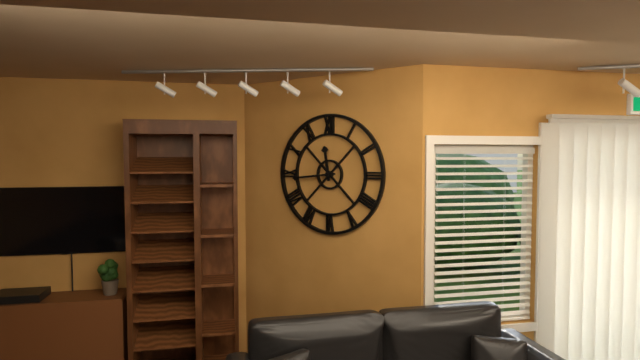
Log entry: 11:44
